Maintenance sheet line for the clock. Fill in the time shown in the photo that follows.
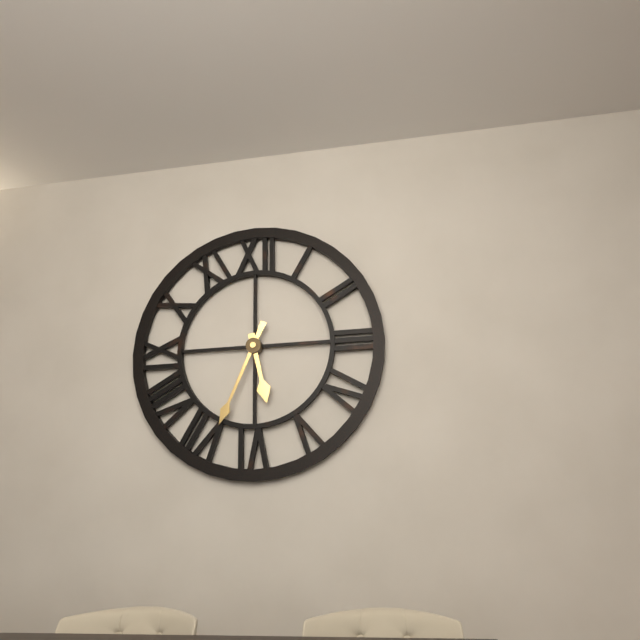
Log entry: 5:34
